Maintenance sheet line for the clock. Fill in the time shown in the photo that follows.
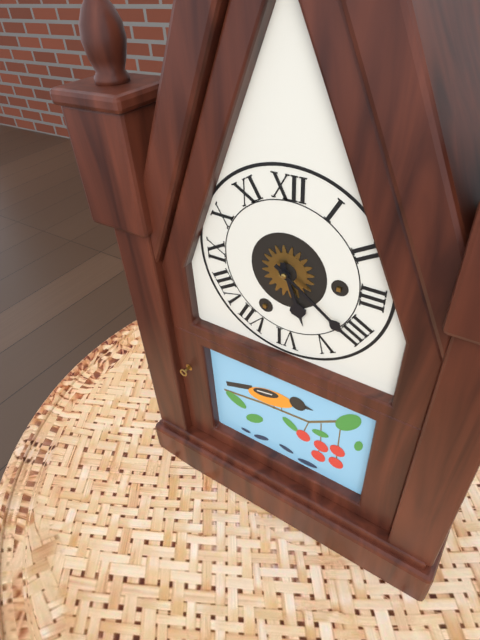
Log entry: 5:21
